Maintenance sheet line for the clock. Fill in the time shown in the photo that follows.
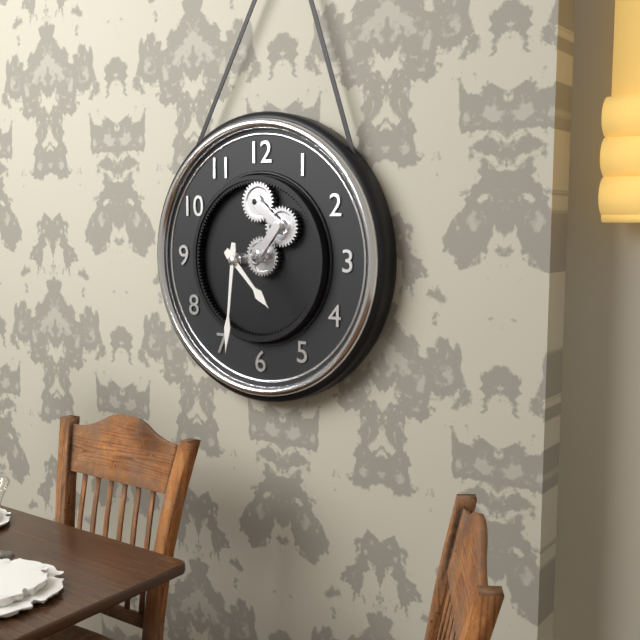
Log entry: 4:31
